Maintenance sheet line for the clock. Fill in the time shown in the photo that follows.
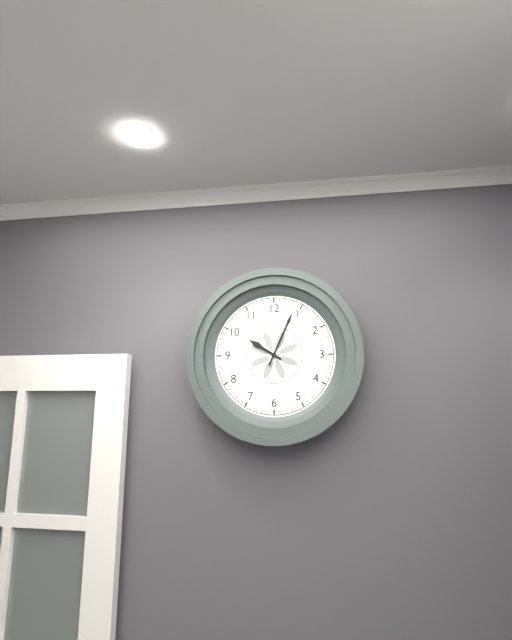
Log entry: 10:04
